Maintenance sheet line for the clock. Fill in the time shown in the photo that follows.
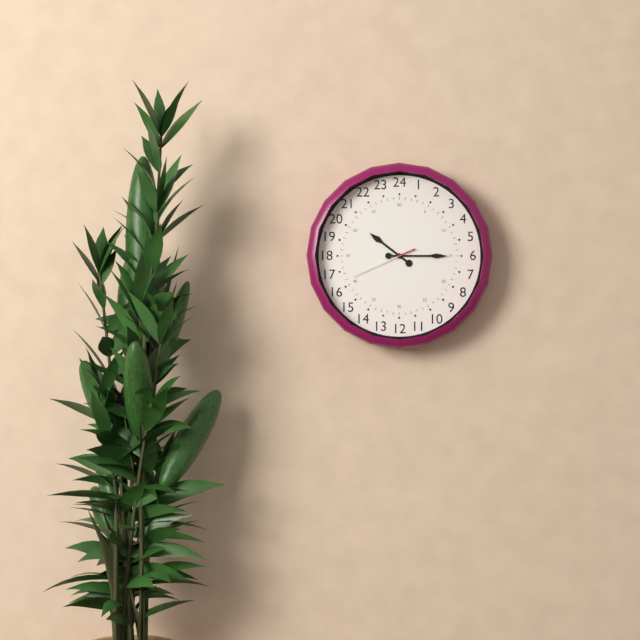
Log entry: 10:15:41
